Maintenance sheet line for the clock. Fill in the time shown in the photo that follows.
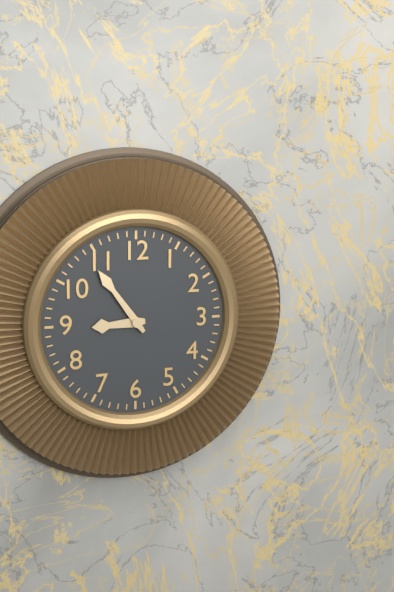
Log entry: 8:54
